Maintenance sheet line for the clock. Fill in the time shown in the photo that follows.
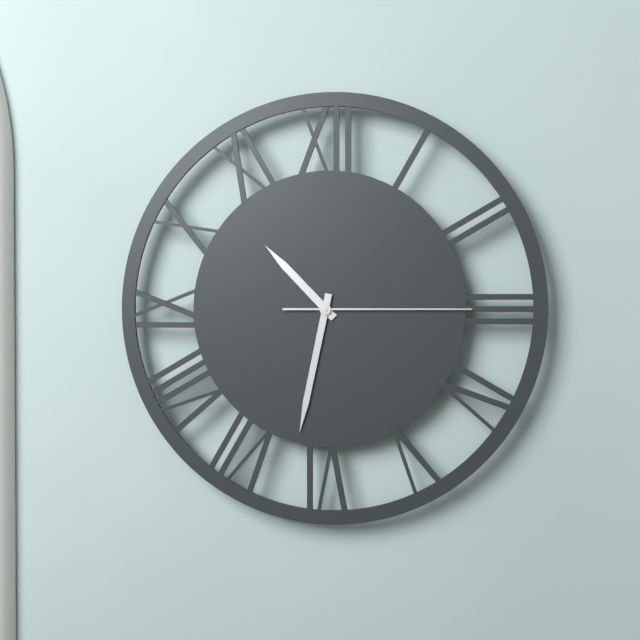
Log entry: 10:32:15
